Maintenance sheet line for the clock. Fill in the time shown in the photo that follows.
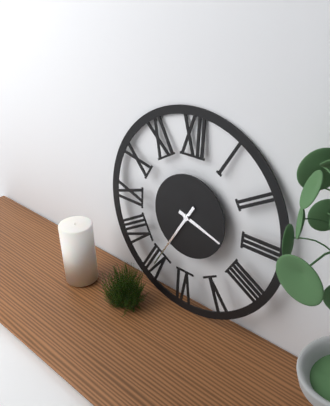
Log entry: 3:35
